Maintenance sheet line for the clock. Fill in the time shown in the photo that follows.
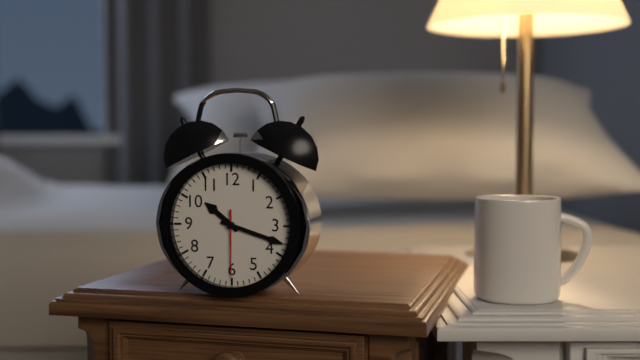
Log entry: 10:18:30
